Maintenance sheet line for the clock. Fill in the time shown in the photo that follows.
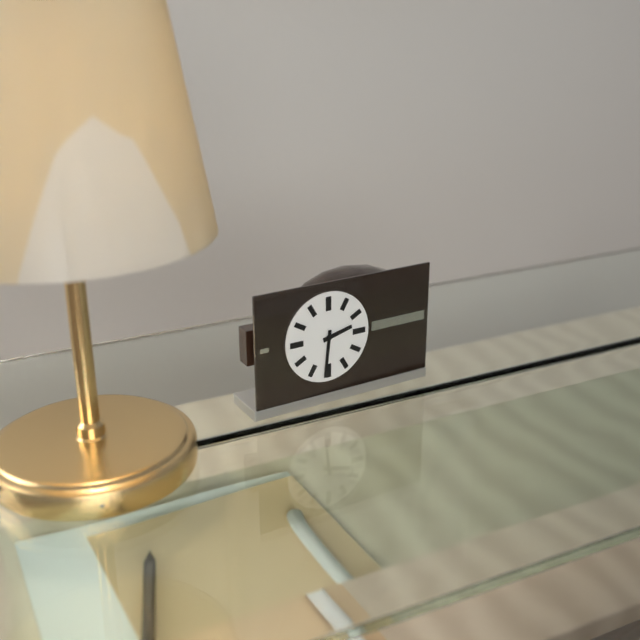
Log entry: 2:31
